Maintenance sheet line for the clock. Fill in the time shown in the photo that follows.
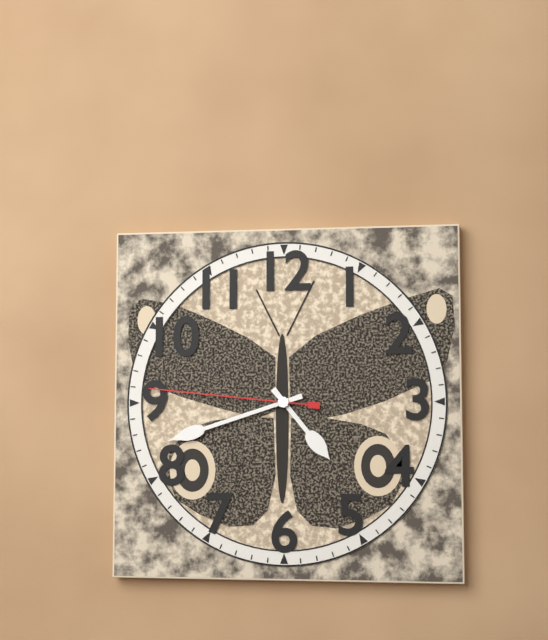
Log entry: 4:42:46
